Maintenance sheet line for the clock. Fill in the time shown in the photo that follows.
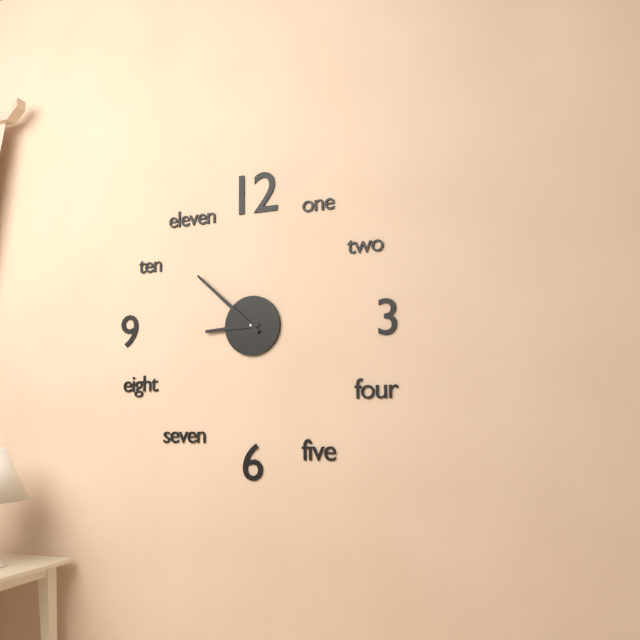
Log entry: 8:52
